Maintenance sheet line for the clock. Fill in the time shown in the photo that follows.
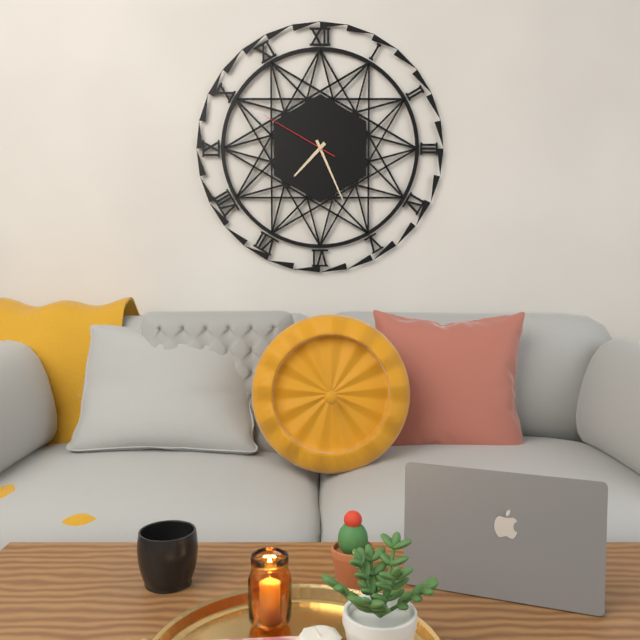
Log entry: 7:26:50
